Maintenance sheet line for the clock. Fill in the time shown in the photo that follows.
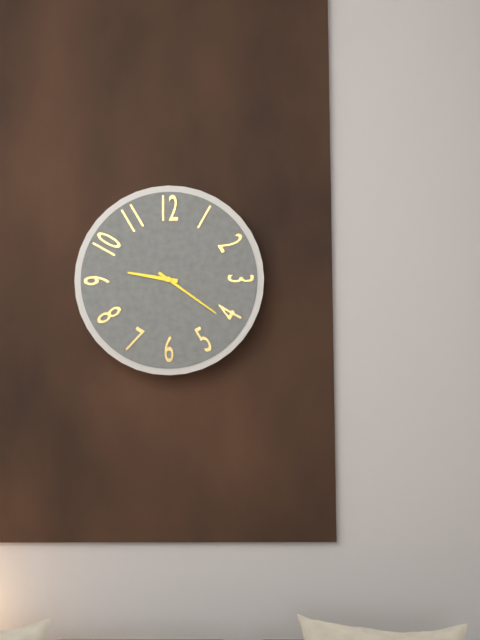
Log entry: 9:21
